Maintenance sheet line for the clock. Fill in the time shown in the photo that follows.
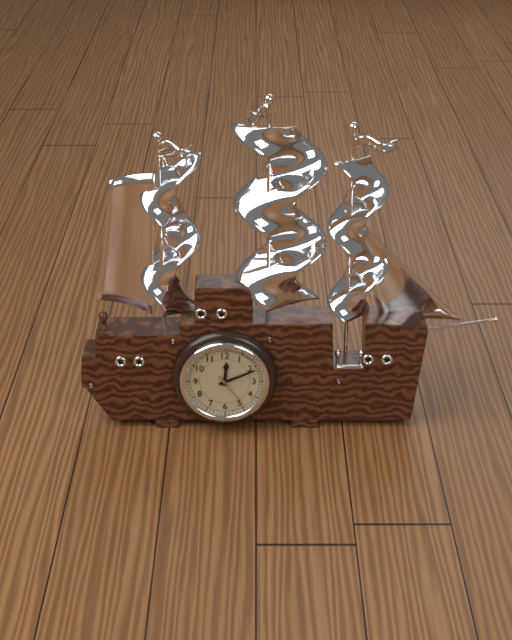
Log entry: 12:11
